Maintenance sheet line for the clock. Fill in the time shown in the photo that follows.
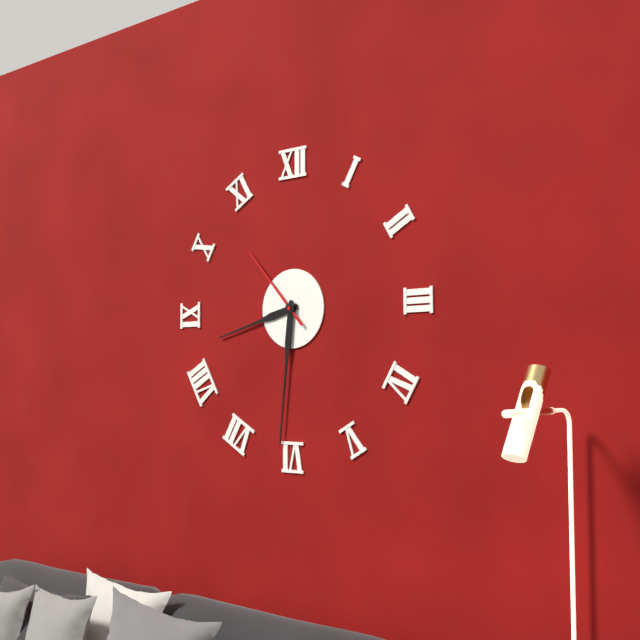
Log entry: 8:31:53
